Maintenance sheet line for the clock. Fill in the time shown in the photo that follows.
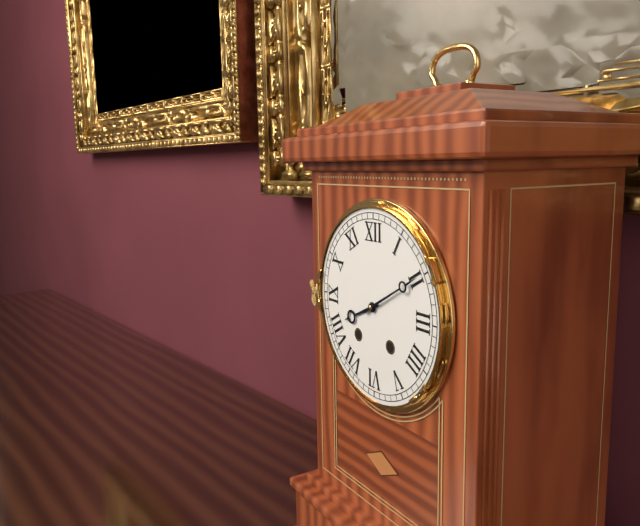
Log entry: 8:10
